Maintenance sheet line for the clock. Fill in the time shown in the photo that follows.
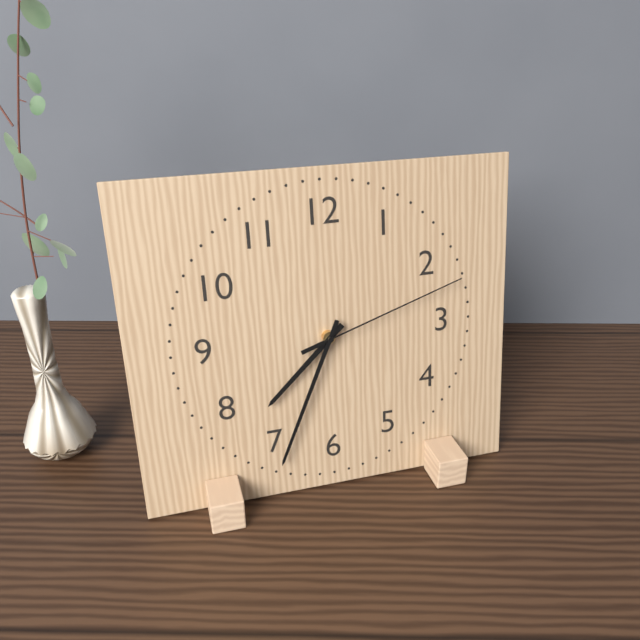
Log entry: 7:34:12
